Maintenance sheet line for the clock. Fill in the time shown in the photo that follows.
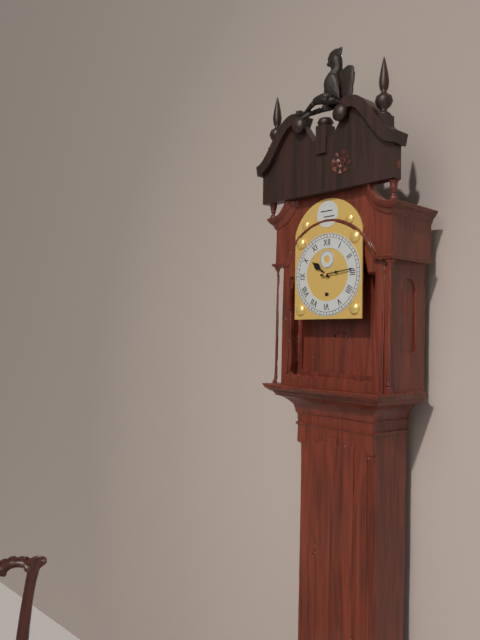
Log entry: 10:14
